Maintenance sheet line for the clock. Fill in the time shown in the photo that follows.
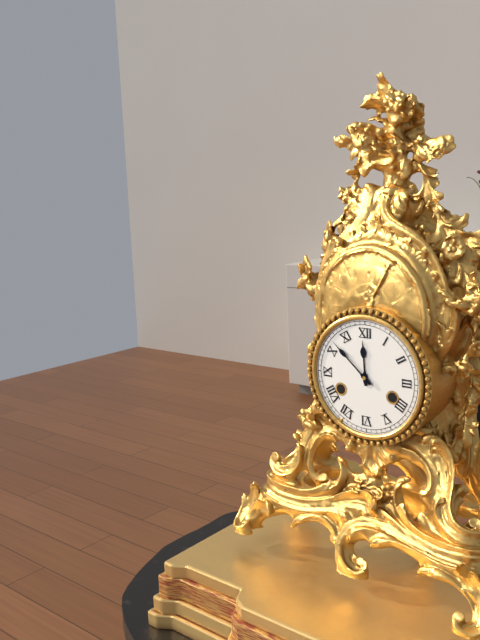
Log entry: 11:52
